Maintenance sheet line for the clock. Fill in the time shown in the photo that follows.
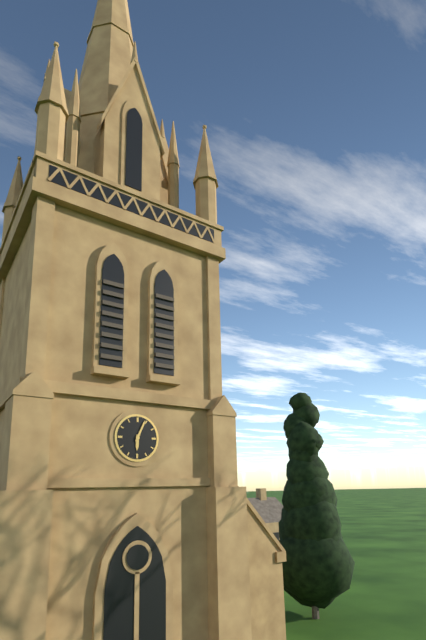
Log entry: 6:04
